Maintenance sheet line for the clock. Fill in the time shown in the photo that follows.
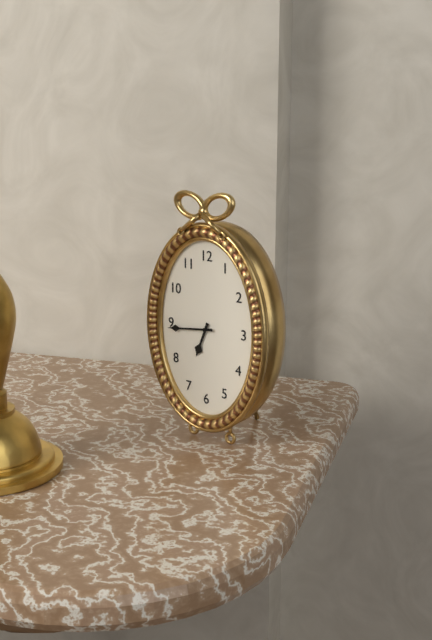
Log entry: 6:44
